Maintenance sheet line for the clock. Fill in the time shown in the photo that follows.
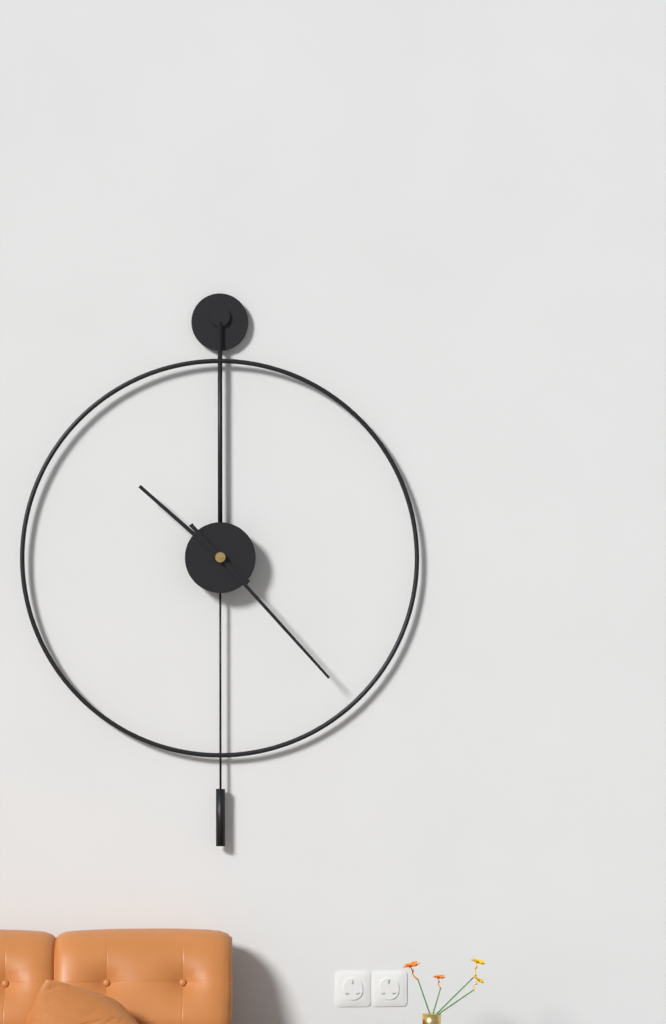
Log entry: 10:23
